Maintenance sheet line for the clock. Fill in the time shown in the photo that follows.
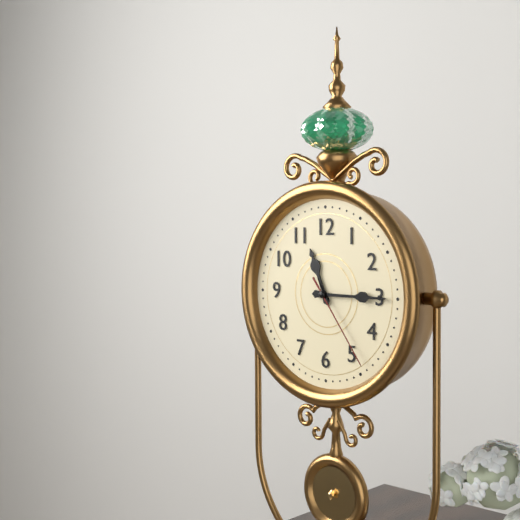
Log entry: 11:15:24
